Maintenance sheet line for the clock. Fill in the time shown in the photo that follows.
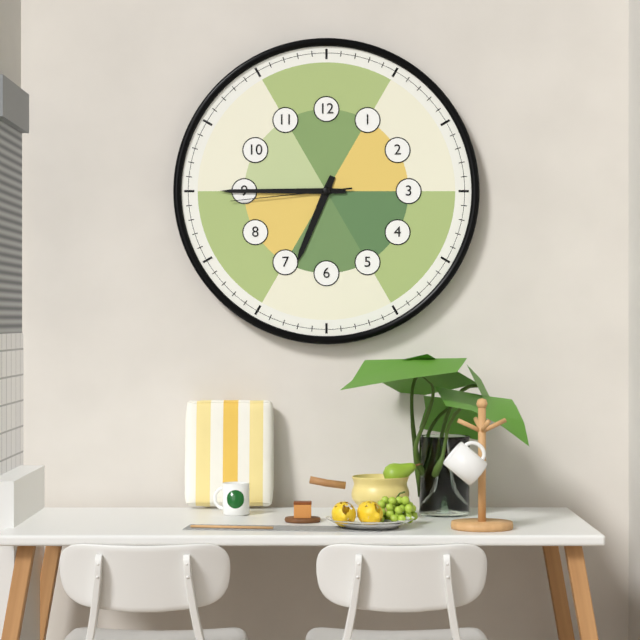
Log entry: 6:45:44
